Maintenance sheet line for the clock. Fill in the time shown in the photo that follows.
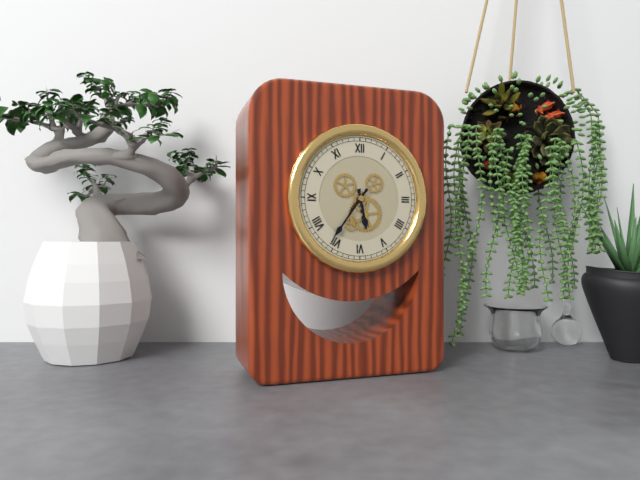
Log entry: 5:36
